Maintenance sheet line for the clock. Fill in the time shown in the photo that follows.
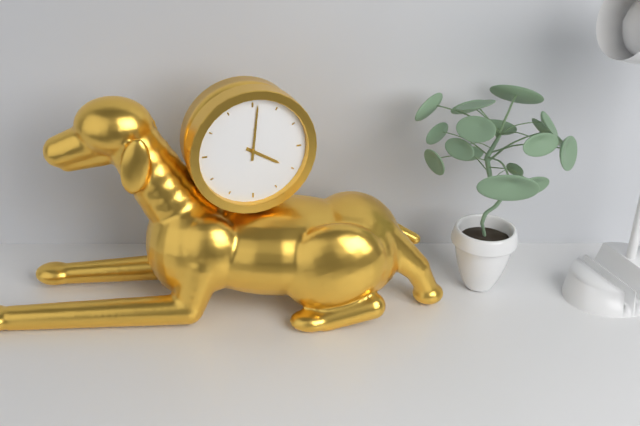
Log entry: 4:01
